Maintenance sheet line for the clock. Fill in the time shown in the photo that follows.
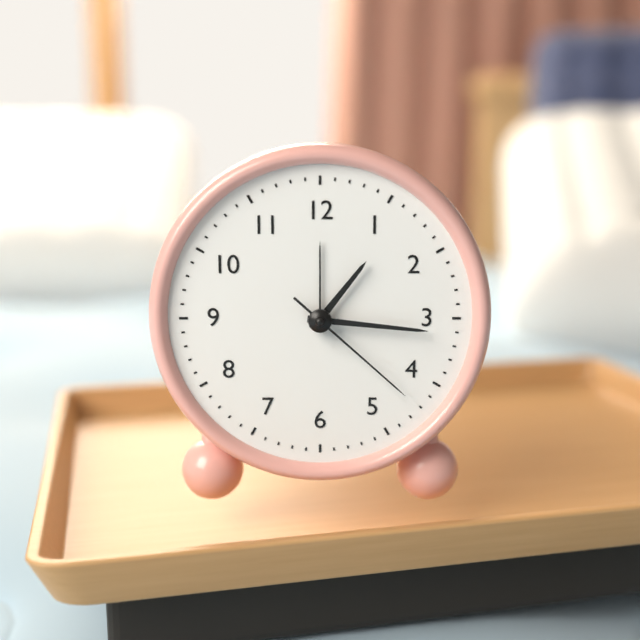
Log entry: 1:16:22
